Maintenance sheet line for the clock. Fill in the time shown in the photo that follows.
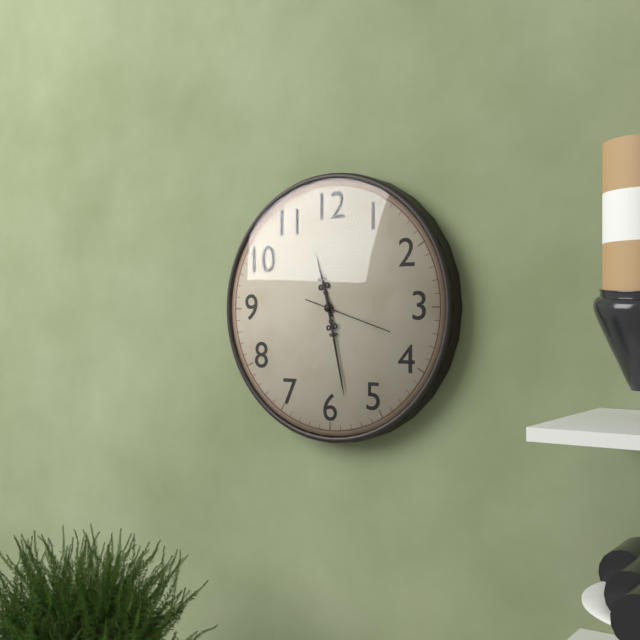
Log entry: 11:28:18
